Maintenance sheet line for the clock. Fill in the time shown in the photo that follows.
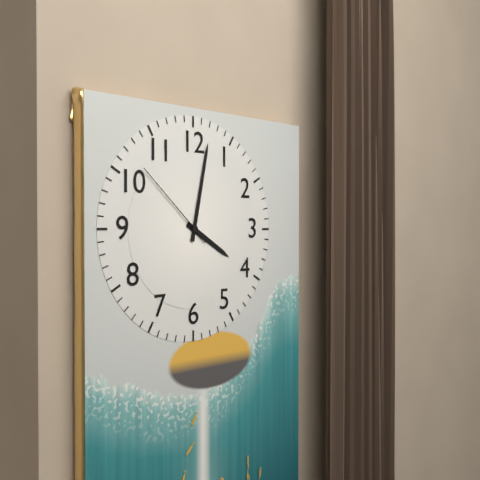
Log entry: 4:02:52
